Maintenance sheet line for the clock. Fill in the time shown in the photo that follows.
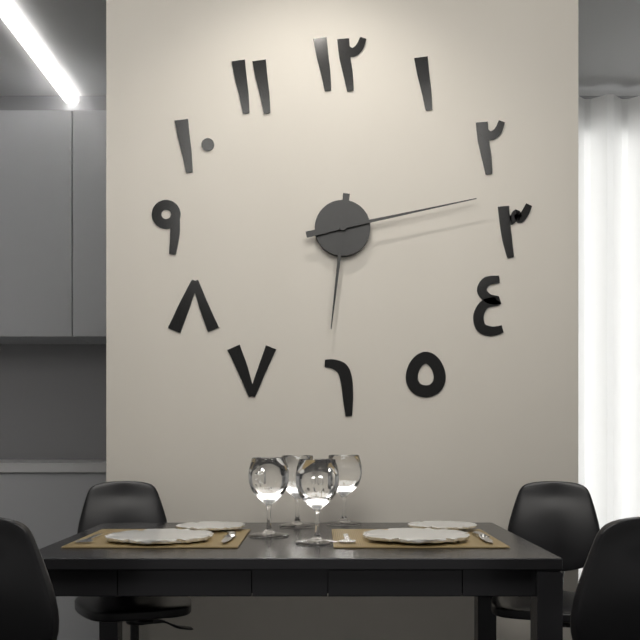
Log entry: 6:13
